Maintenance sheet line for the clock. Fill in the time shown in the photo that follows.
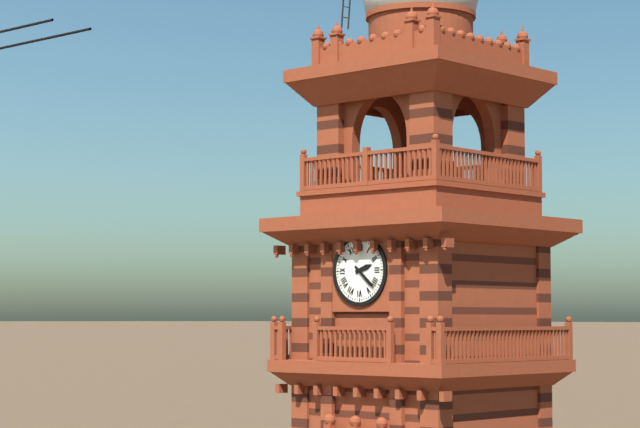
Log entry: 2:22
